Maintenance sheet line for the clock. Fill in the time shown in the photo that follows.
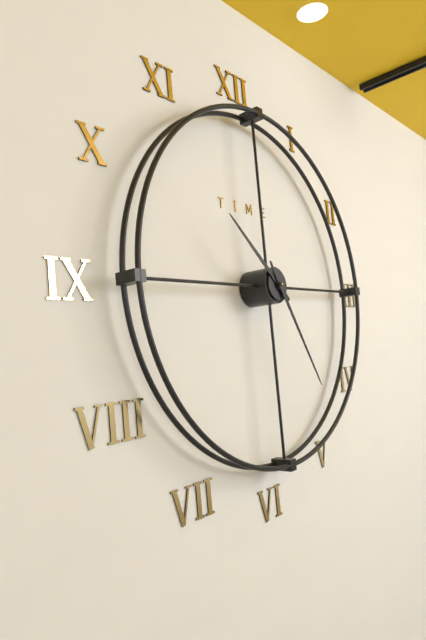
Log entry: 10:25
